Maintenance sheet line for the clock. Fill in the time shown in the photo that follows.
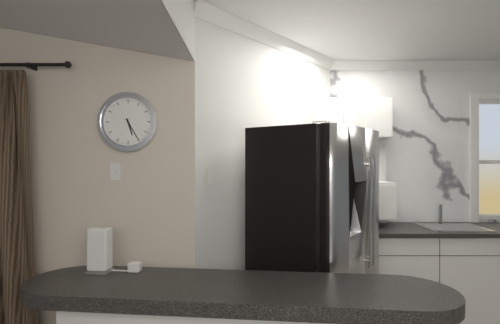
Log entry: 5:25
